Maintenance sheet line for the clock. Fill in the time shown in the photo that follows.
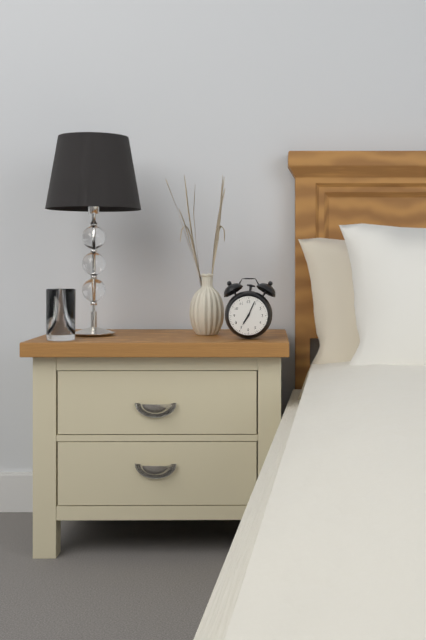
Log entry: 7:04
